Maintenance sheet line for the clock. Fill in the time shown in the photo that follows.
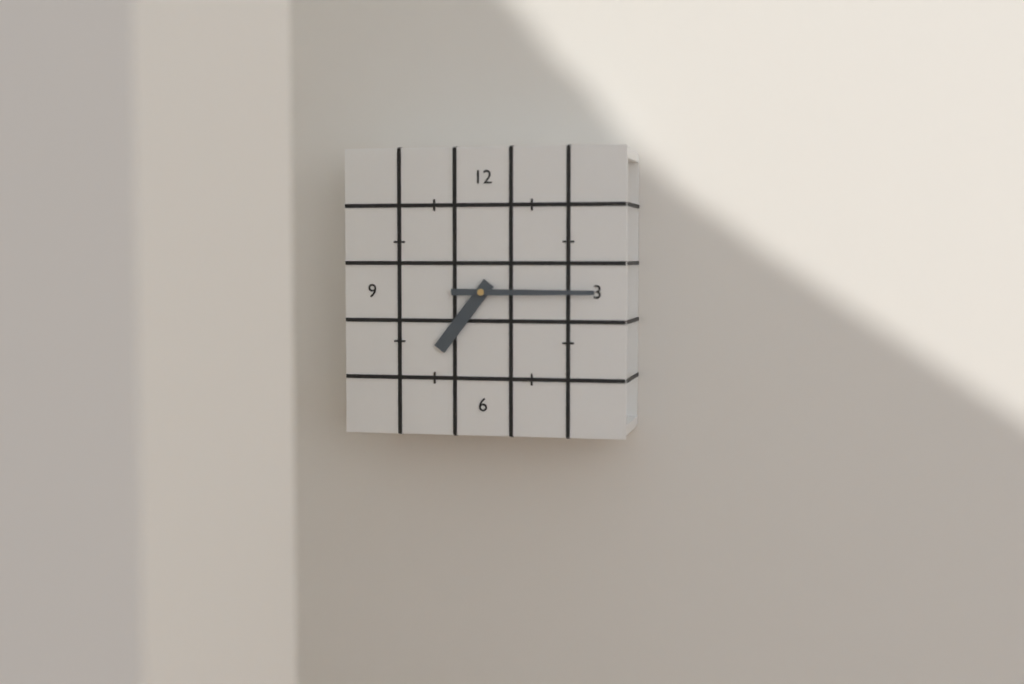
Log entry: 7:15
